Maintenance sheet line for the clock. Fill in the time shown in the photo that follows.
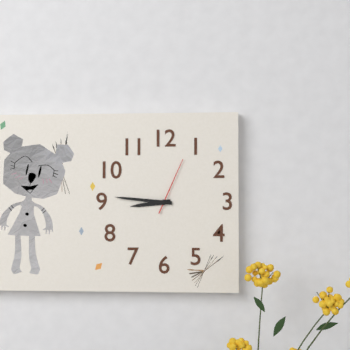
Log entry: 8:46:04
